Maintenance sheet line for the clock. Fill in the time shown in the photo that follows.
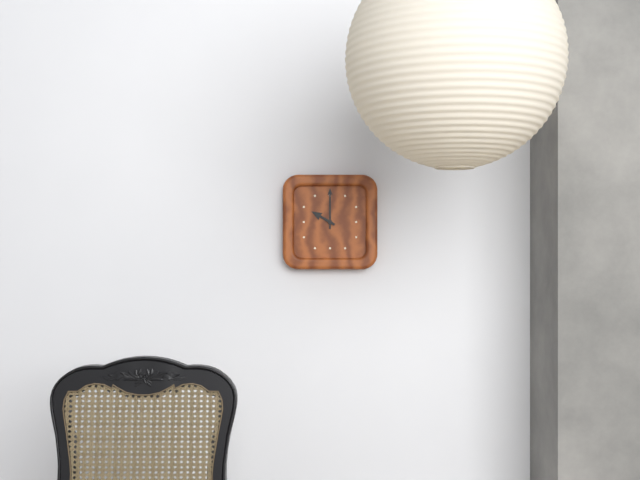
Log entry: 10:00
